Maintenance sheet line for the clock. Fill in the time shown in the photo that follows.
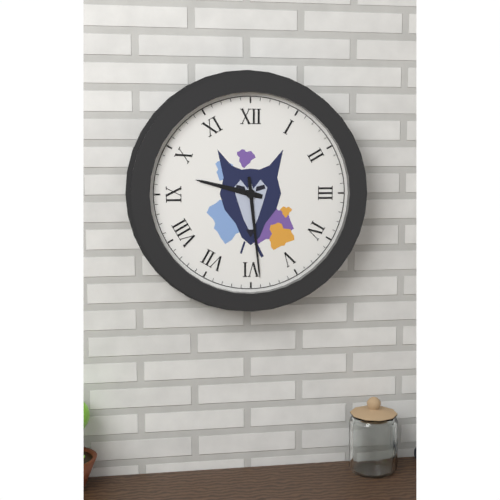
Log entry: 9:29
